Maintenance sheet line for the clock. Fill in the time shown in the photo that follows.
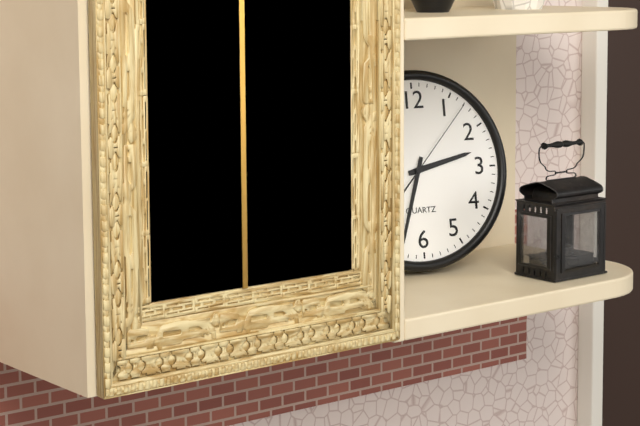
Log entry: 2:33:07
